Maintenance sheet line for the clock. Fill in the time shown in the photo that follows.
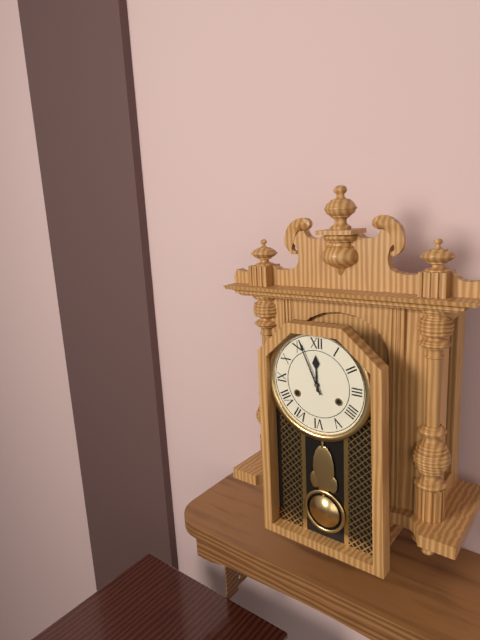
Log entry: 11:56
